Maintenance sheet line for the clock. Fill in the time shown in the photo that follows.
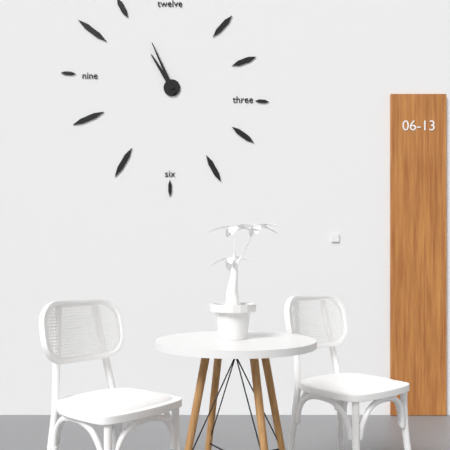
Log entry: 10:56
